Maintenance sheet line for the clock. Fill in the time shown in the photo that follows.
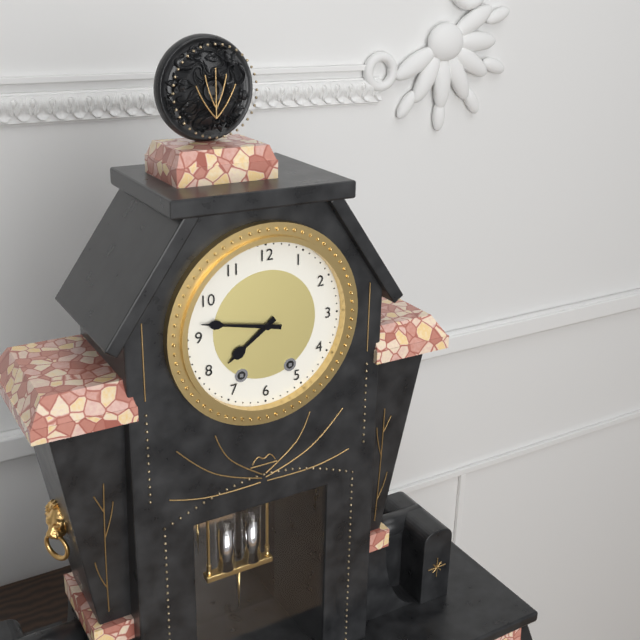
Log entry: 7:47
